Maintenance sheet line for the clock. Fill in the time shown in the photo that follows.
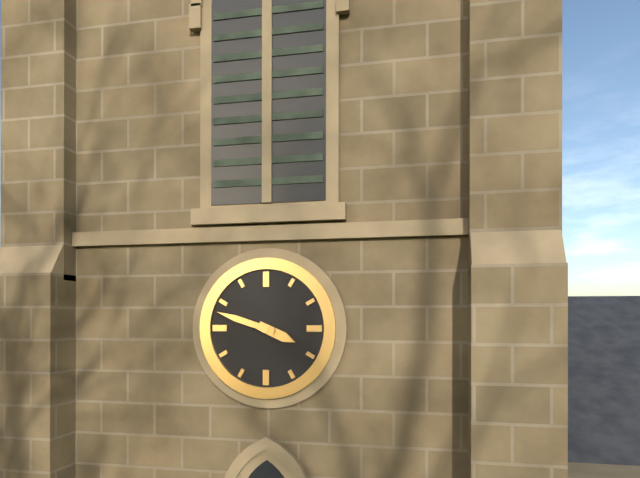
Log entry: 3:48
